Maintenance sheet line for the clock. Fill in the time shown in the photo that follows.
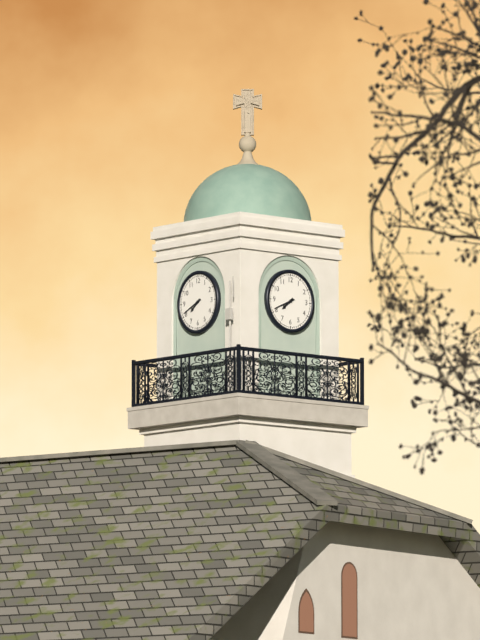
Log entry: 7:41
